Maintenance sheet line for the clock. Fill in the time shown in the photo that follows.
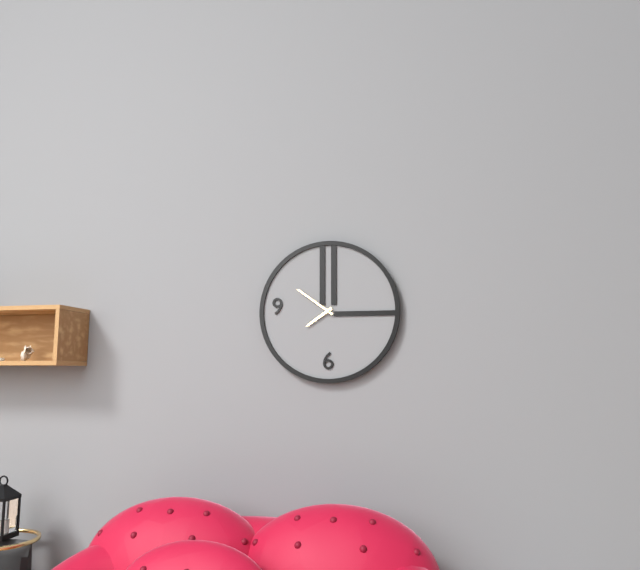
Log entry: 7:51
